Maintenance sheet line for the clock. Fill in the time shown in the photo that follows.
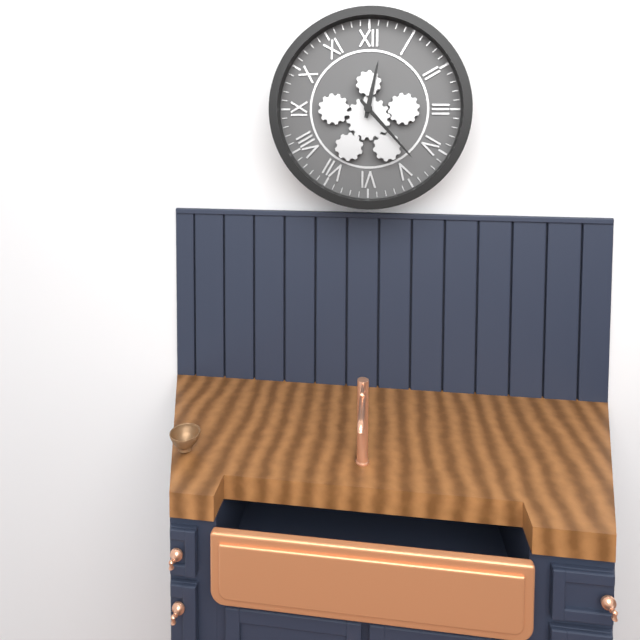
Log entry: 12:23
